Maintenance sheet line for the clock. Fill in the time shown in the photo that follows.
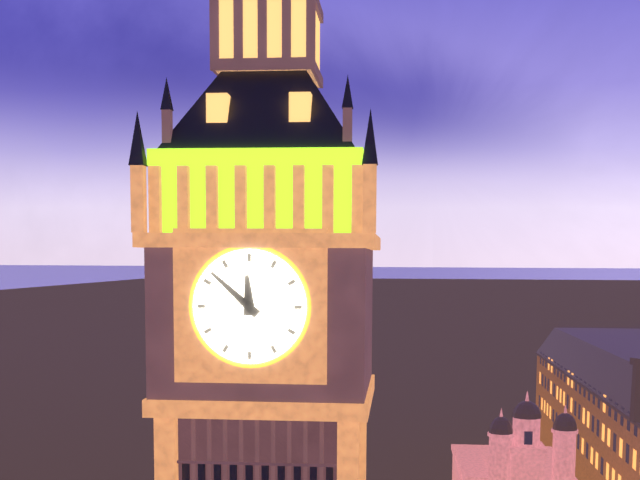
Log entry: 11:52
